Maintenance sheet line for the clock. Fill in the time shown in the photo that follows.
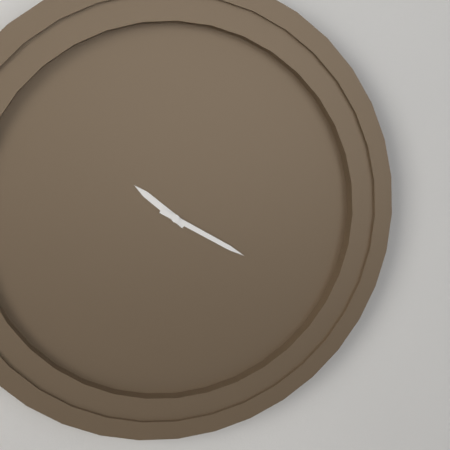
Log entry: 10:20
